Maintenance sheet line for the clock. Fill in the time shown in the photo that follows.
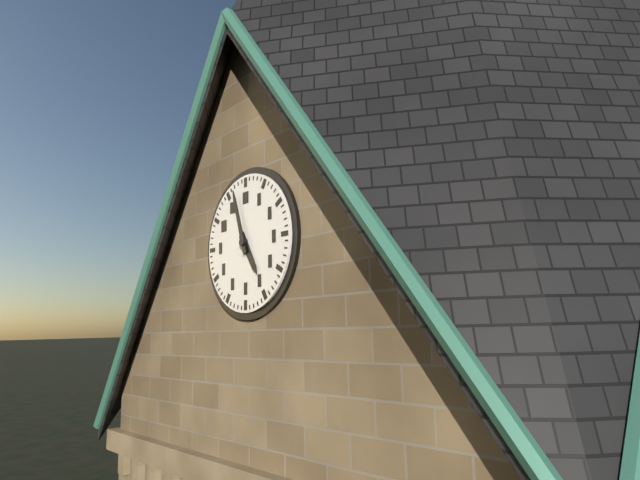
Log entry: 4:57
